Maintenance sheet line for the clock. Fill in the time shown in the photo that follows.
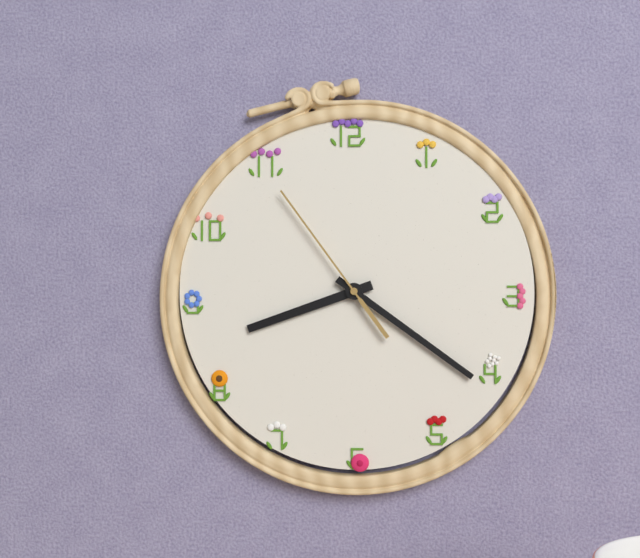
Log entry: 8:21:54
